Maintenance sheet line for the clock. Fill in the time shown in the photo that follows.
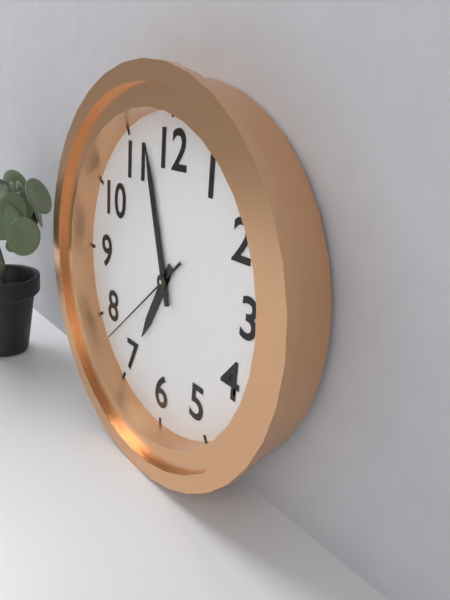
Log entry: 6:57:38
